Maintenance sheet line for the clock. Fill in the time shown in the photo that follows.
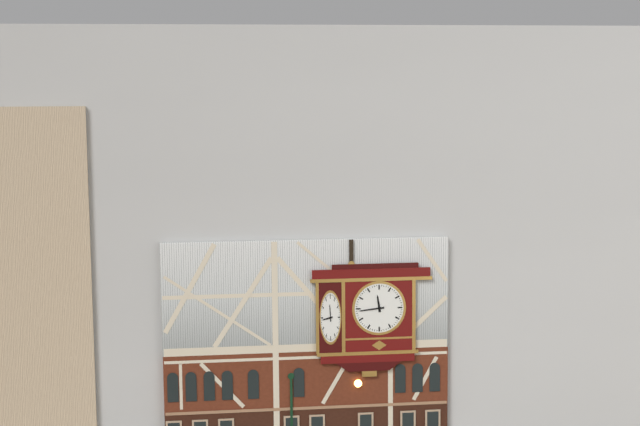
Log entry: 11:44
